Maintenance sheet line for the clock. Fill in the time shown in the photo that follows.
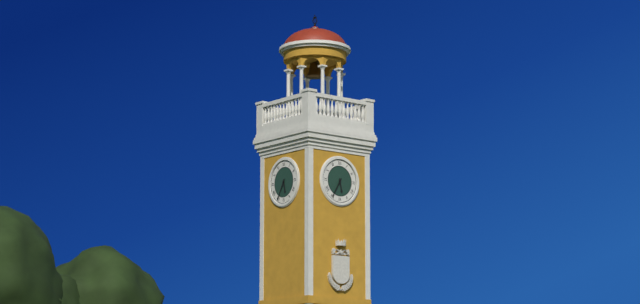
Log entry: 5:35
